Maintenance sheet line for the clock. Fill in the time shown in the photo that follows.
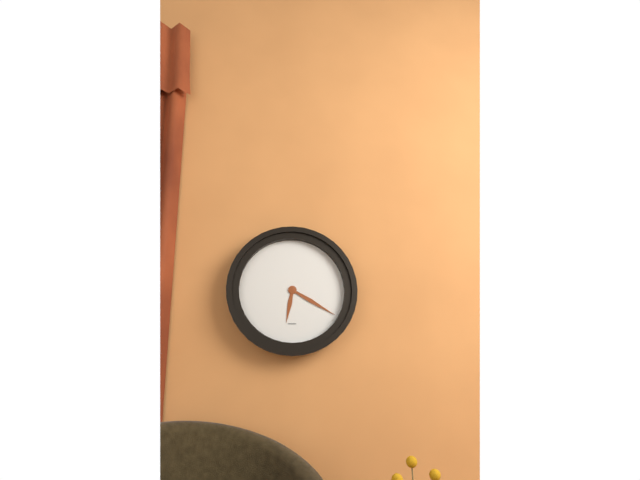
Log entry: 6:20
